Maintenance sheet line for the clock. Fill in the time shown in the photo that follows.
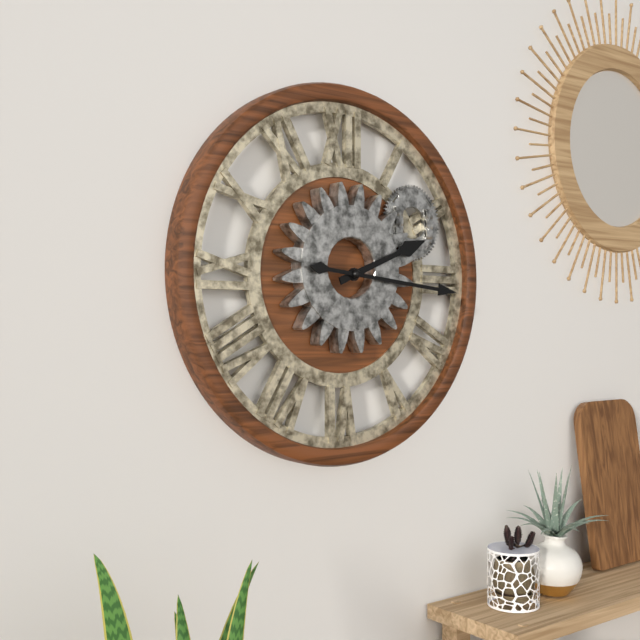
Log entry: 2:16
